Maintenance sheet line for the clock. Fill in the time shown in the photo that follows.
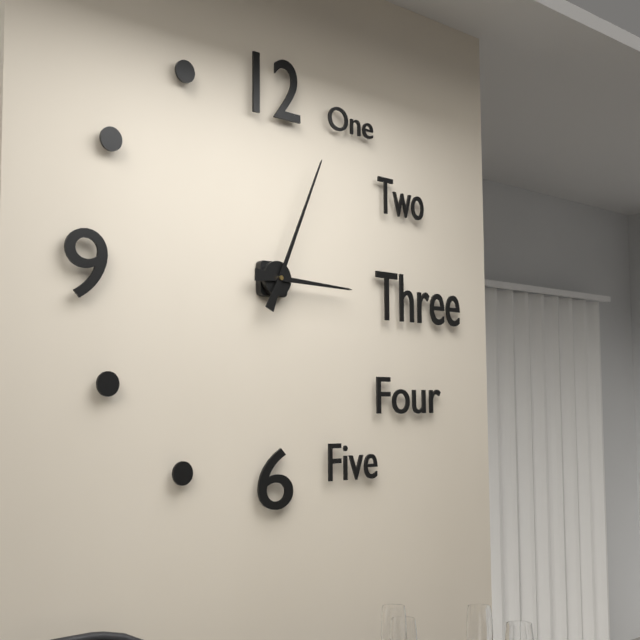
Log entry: 3:04
